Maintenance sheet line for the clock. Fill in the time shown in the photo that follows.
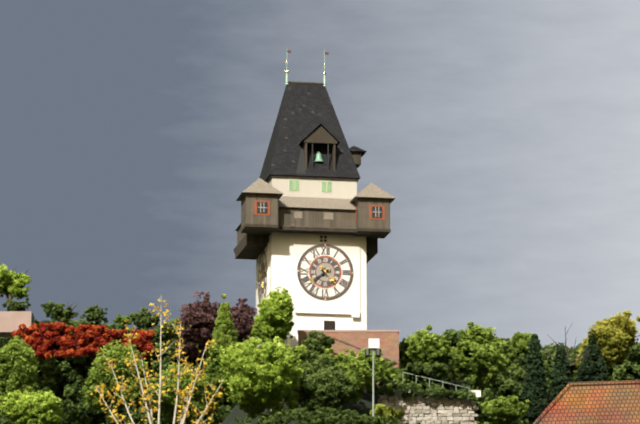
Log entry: 4:39
